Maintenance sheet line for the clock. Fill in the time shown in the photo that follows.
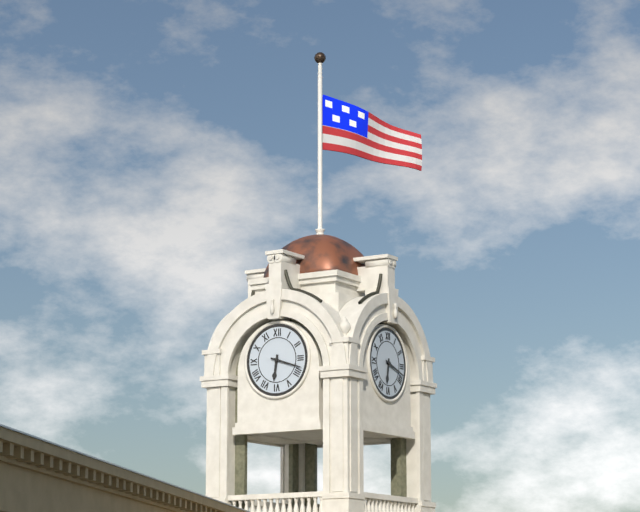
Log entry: 6:18
